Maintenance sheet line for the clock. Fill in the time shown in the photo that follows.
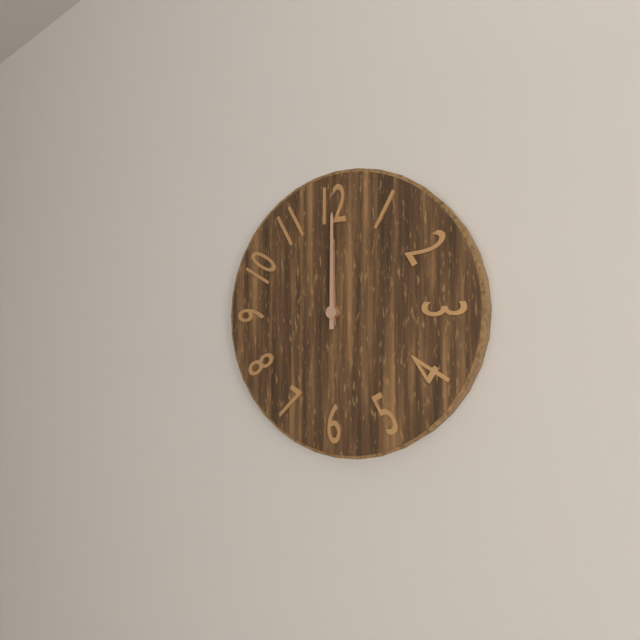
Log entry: 12:00
